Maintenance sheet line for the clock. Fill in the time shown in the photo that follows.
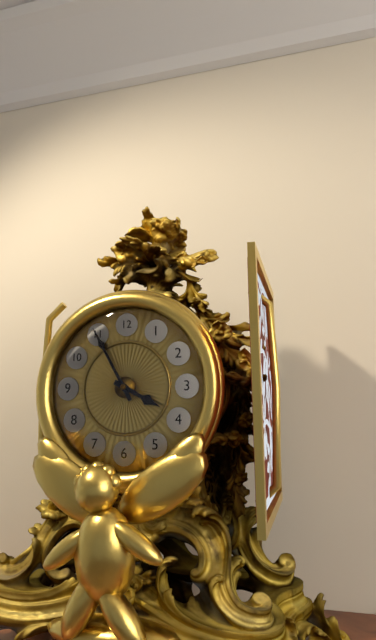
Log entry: 3:55
